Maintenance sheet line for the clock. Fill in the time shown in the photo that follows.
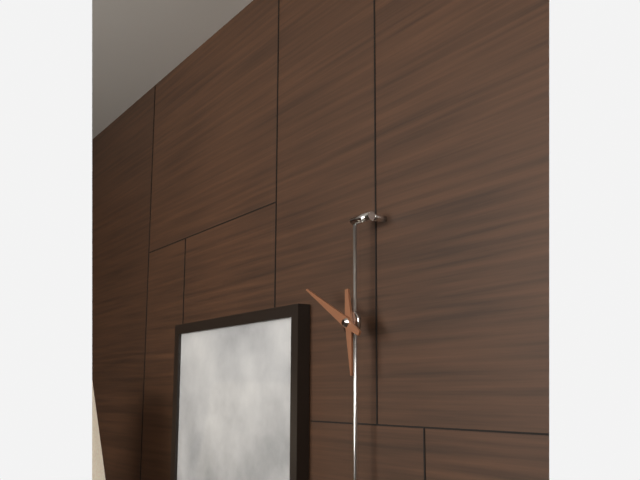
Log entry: 5:50
